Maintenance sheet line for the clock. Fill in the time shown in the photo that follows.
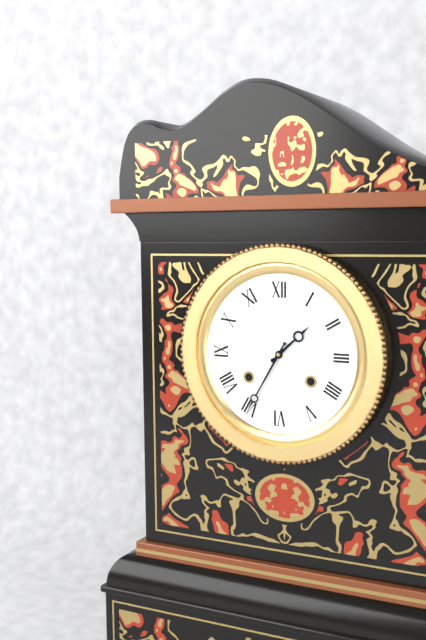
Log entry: 1:35
